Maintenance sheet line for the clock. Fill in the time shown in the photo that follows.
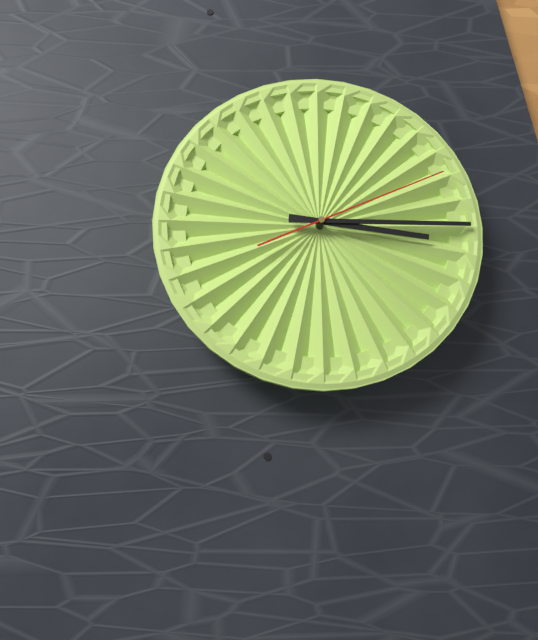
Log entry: 3:15:11
